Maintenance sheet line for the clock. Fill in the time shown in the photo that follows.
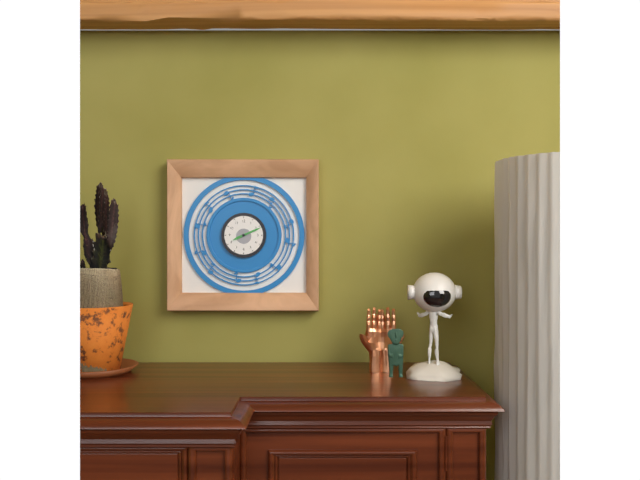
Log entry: 8:11
